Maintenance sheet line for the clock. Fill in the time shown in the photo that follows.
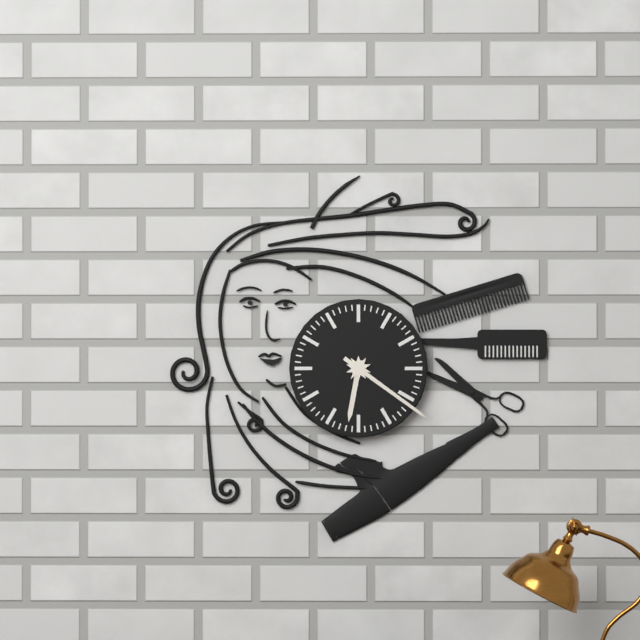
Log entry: 6:21
